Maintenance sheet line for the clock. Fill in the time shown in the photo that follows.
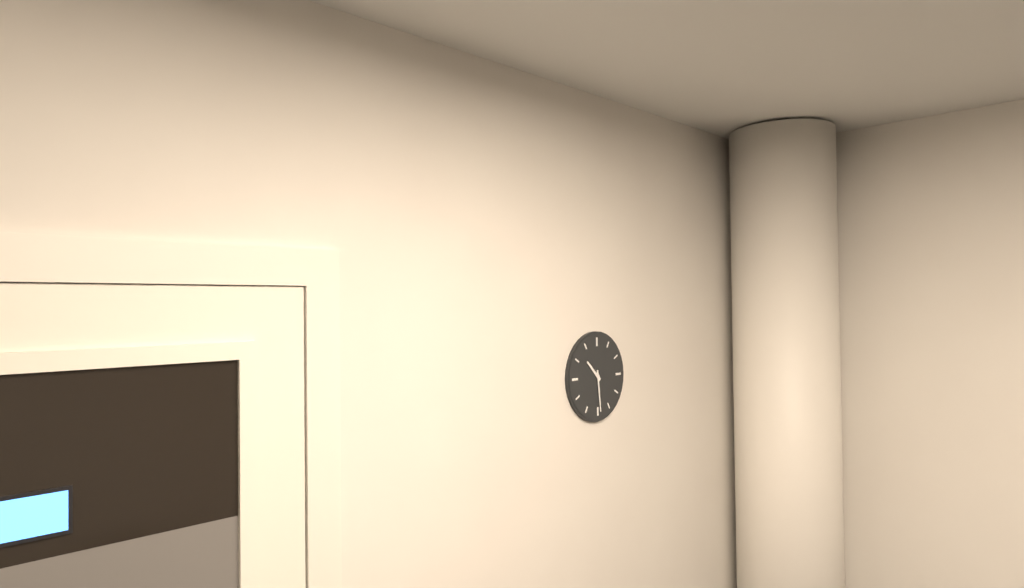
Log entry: 10:29
